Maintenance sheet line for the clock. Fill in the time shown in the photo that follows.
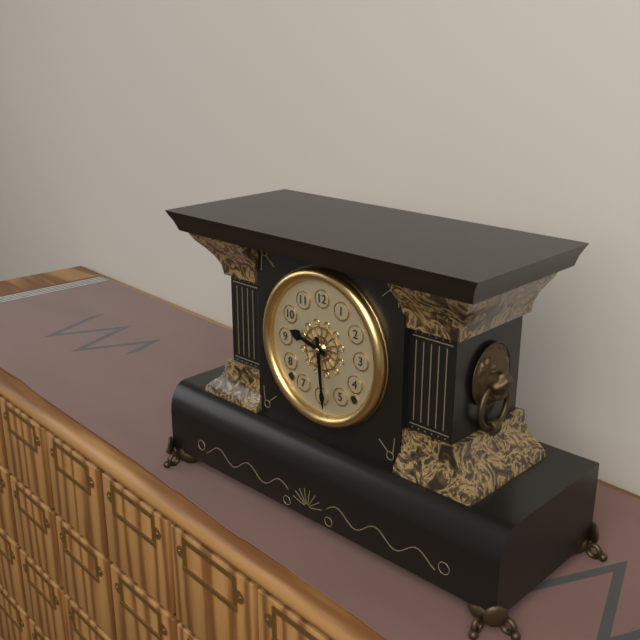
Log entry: 9:29
